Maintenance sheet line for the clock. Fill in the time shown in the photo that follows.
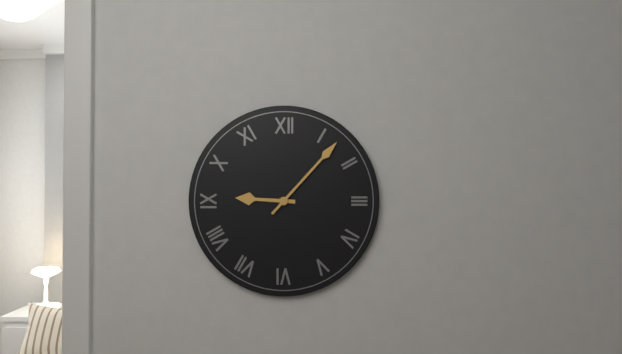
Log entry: 9:07
